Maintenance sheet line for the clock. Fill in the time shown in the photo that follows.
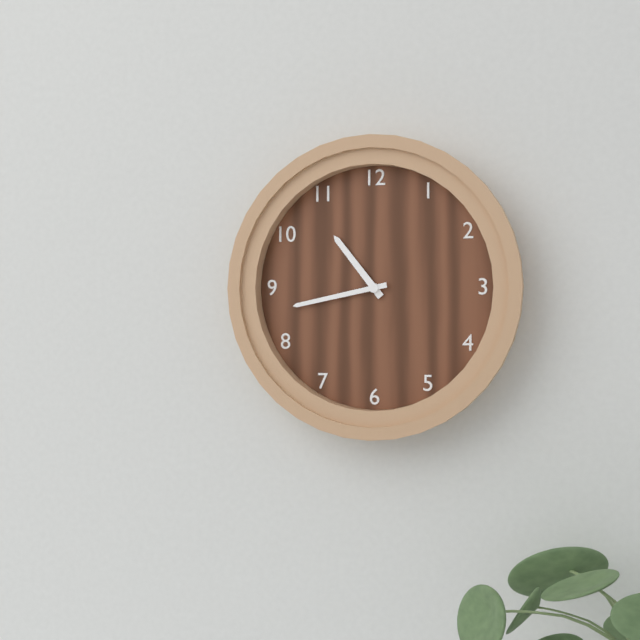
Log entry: 10:43
